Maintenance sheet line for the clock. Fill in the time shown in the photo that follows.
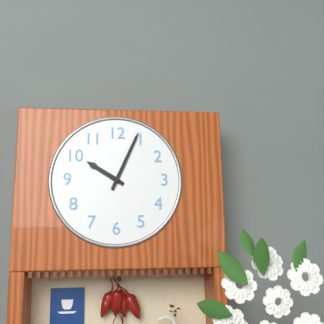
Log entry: 10:04
